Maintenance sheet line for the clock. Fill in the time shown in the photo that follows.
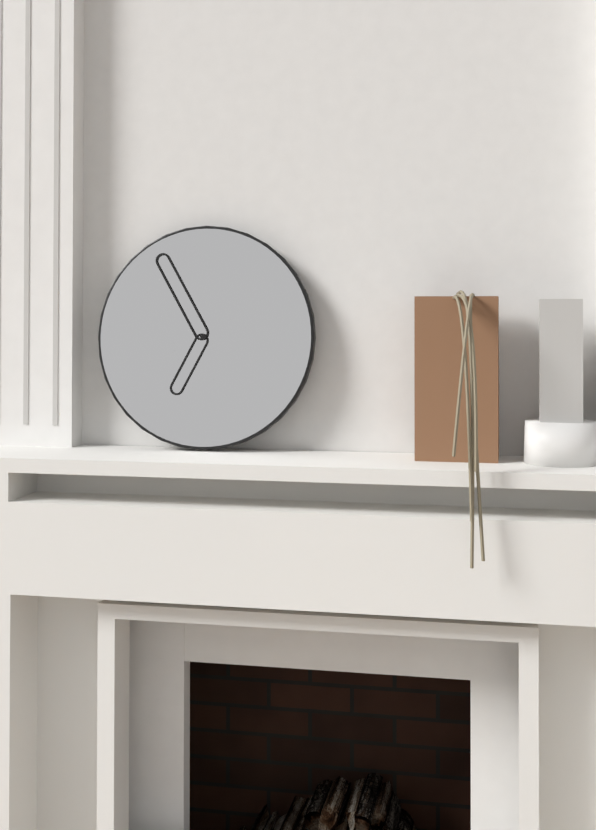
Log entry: 6:55
